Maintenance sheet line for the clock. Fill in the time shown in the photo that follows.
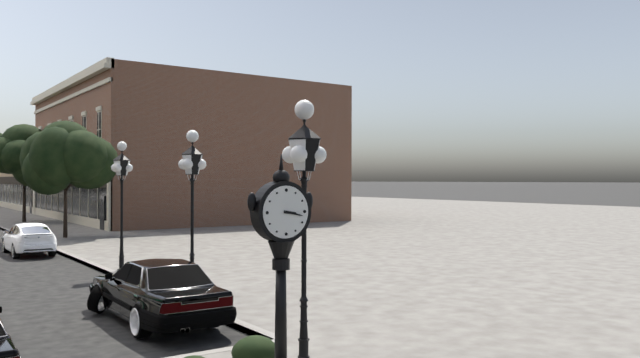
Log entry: 3:17
